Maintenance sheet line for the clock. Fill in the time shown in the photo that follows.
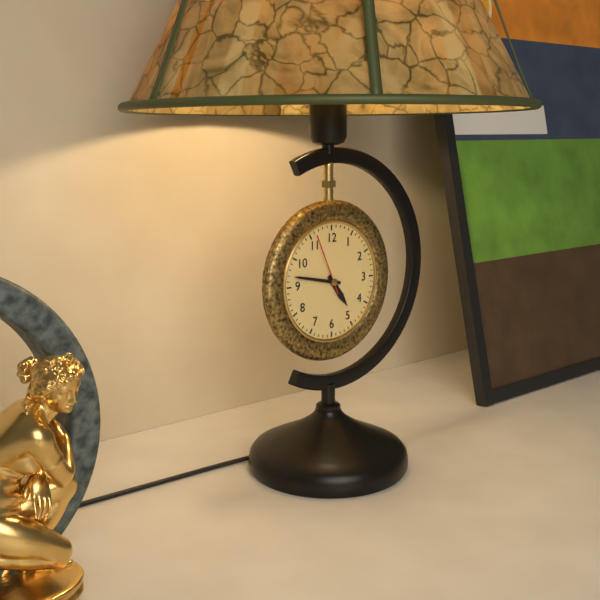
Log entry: 4:47:56
